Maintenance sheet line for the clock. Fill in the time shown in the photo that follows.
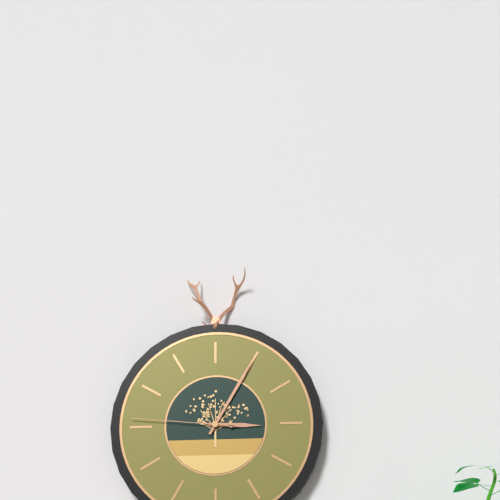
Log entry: 3:05:46
